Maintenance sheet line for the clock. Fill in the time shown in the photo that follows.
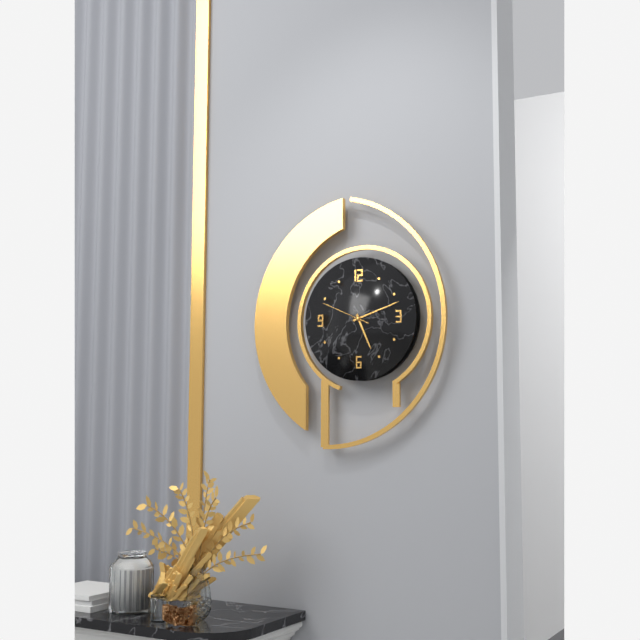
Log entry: 5:12
